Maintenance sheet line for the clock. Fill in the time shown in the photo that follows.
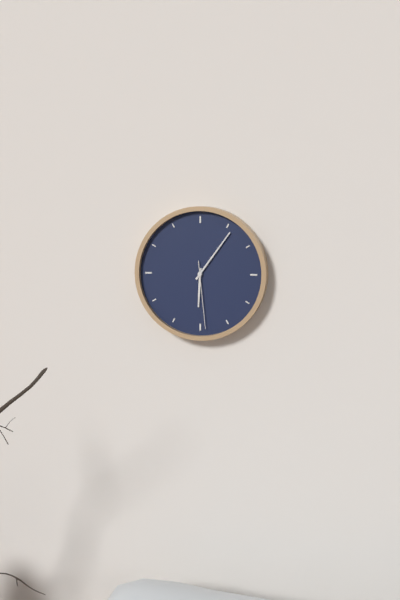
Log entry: 6:06:29
